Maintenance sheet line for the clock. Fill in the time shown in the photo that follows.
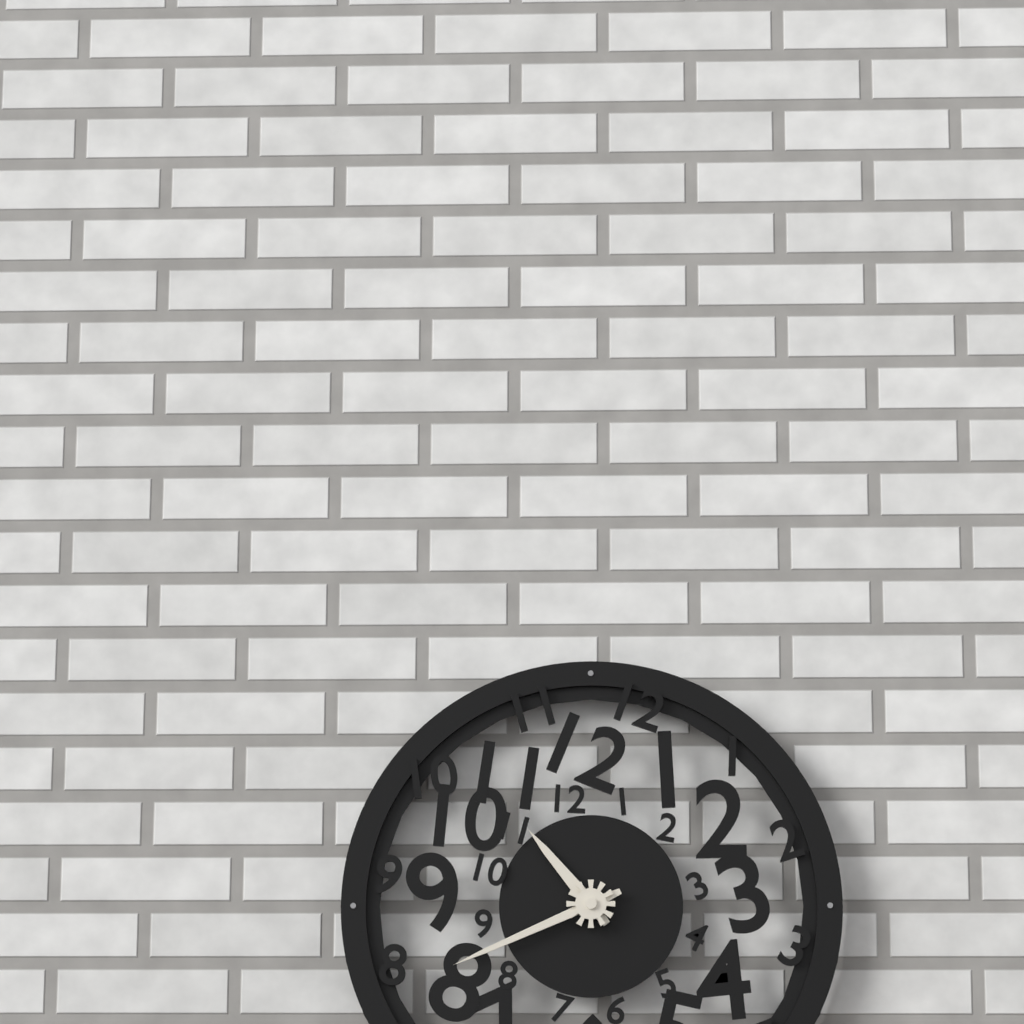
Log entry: 10:41
